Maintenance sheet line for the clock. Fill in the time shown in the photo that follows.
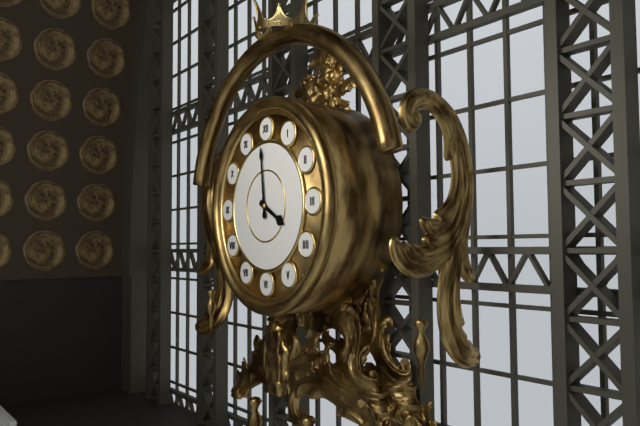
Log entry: 3:59
